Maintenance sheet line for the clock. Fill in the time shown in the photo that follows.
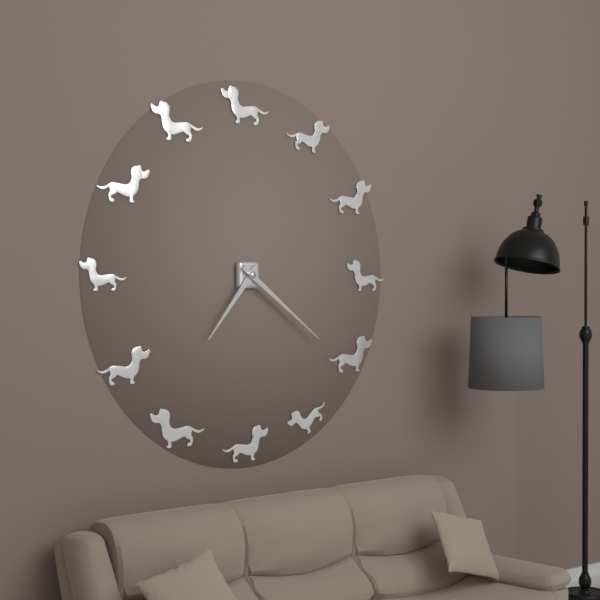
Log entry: 7:21
